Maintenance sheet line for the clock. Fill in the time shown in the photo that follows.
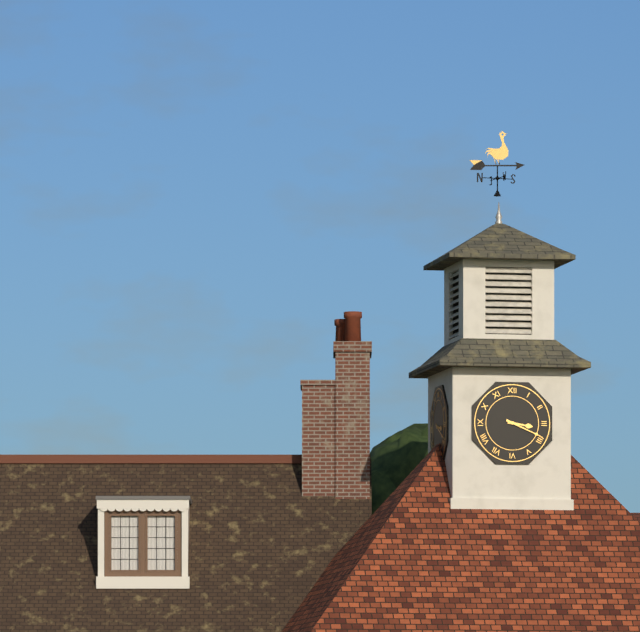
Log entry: 3:19
